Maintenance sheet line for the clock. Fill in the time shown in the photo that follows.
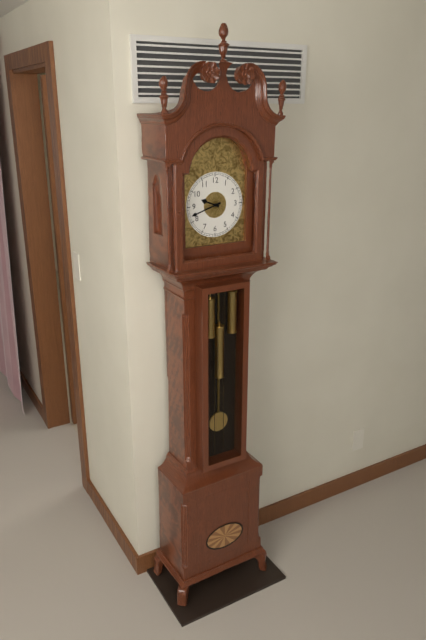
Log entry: 9:42
